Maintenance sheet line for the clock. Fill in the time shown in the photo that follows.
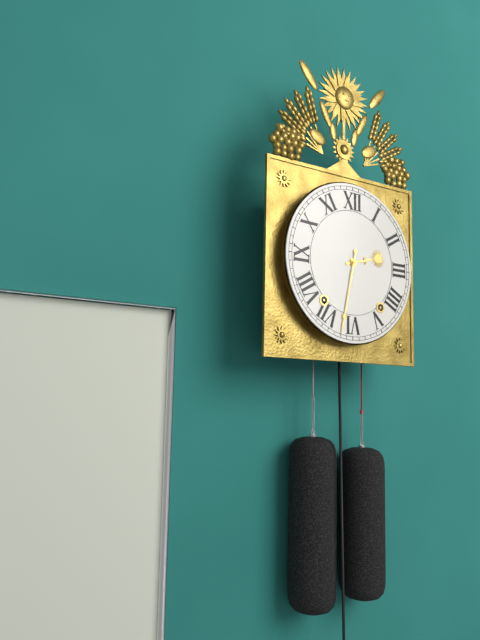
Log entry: 2:32
